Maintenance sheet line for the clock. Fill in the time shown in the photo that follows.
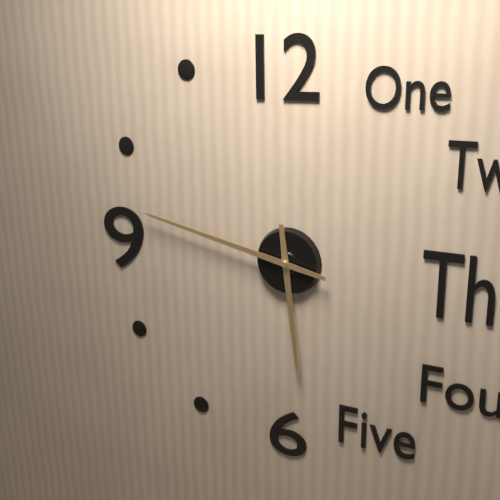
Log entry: 5:47
